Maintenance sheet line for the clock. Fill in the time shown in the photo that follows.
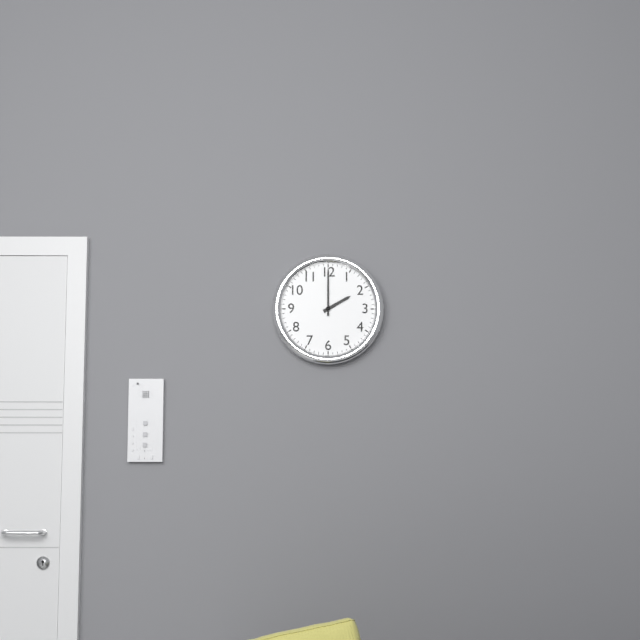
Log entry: 2:00
